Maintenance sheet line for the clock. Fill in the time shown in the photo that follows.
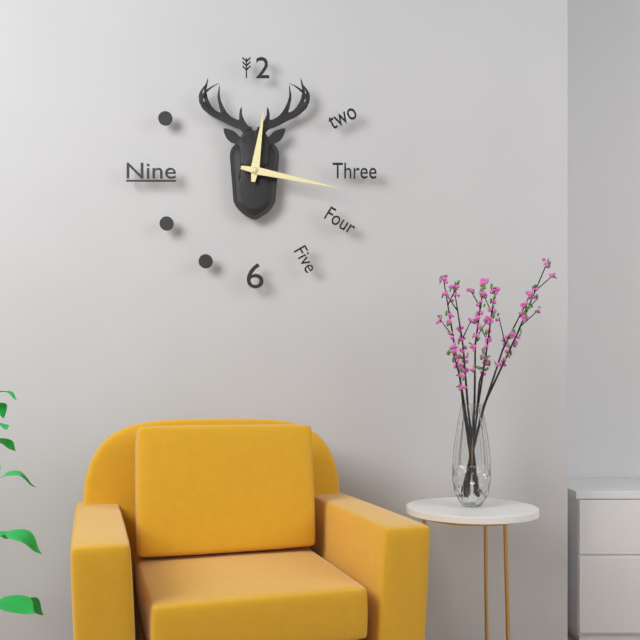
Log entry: 12:17
